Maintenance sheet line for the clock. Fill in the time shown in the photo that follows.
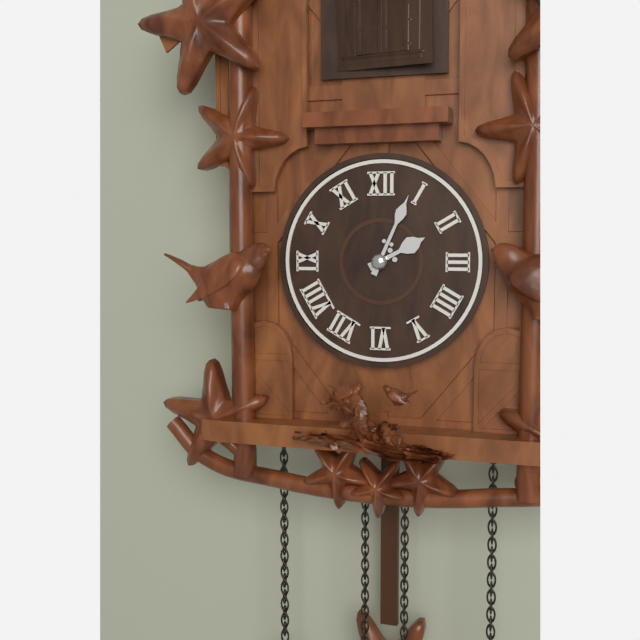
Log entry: 2:04
